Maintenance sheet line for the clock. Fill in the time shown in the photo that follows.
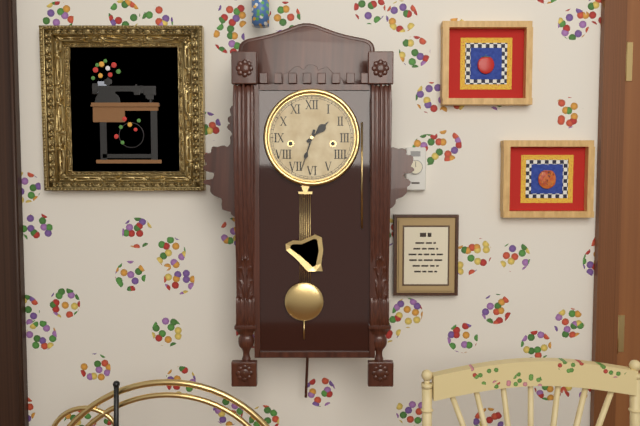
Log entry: 1:33
